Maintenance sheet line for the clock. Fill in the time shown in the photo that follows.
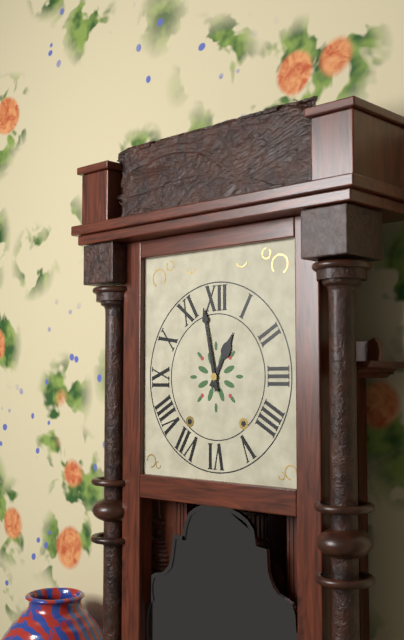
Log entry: 12:58
